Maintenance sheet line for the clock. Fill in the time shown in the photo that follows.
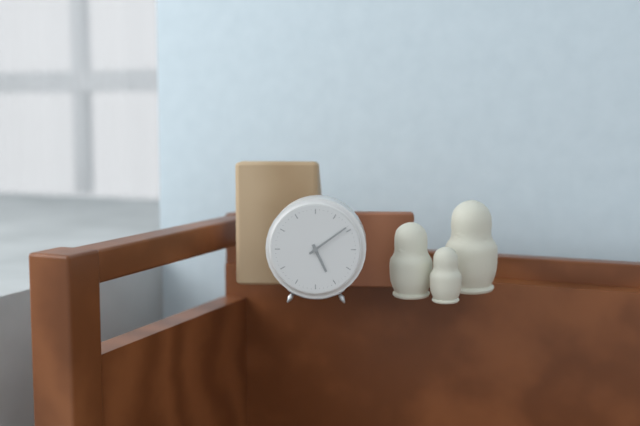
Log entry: 5:09
